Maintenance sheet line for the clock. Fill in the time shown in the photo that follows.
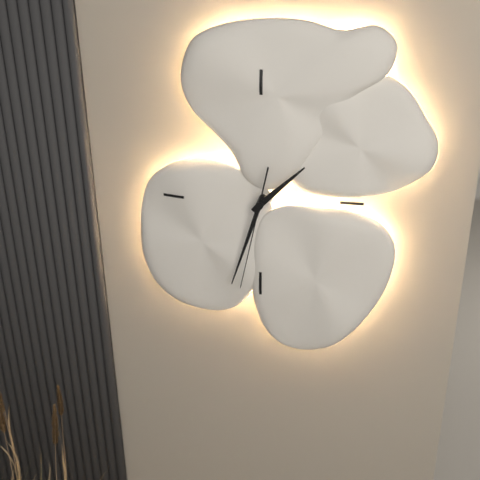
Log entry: 1:33:32
